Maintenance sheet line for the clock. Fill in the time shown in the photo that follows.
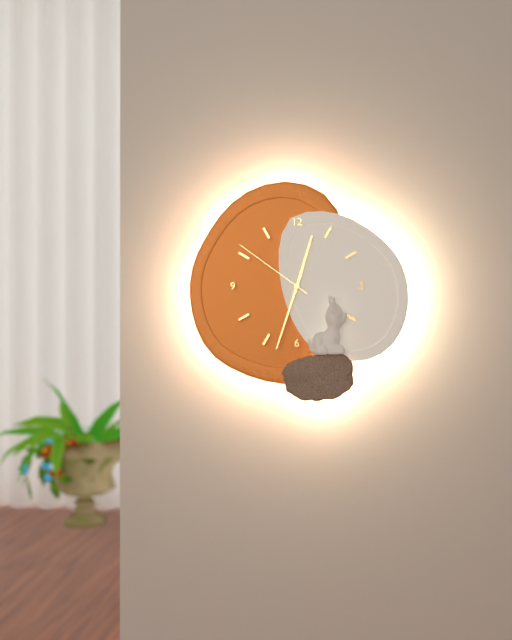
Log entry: 12:33:51
